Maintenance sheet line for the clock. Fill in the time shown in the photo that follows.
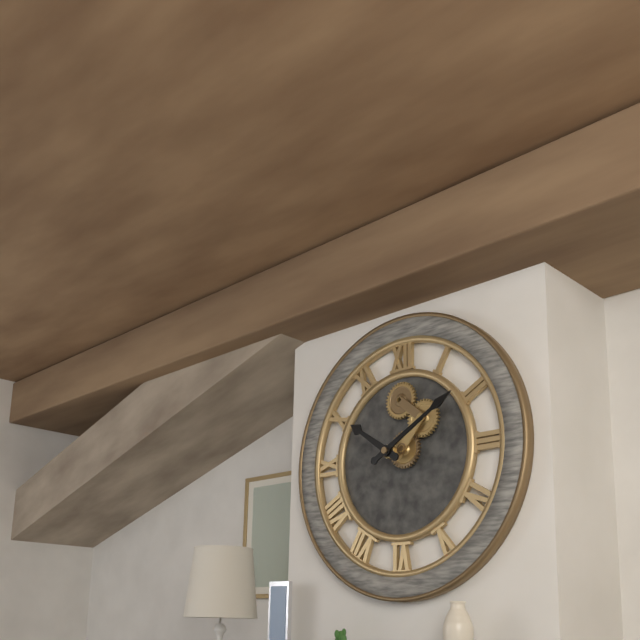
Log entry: 10:10
